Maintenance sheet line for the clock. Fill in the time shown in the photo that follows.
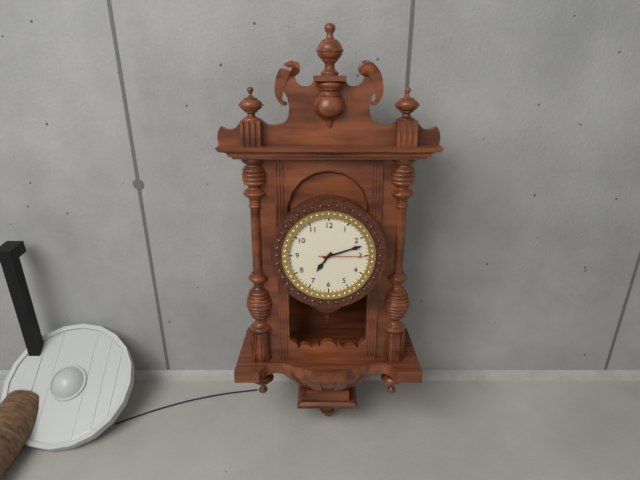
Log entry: 7:12
